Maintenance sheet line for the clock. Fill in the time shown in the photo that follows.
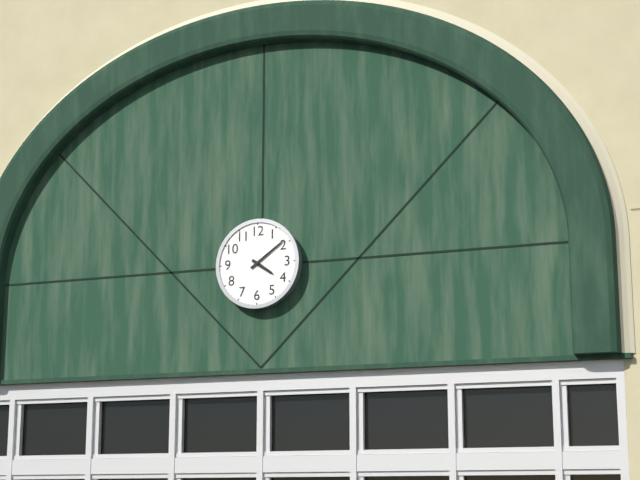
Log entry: 4:09
